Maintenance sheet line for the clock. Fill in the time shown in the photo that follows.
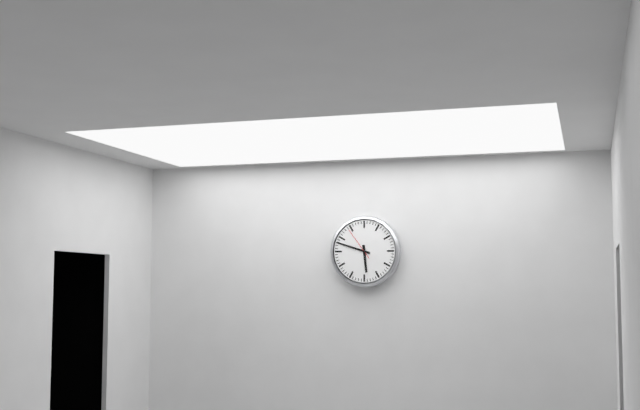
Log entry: 5:48
